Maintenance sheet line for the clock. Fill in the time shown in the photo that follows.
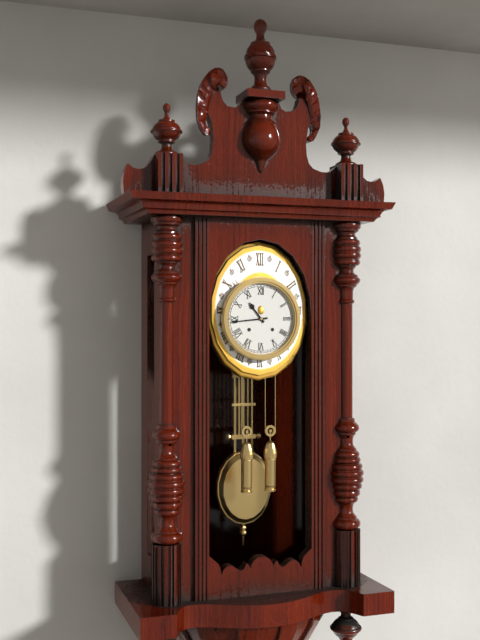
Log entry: 10:44
